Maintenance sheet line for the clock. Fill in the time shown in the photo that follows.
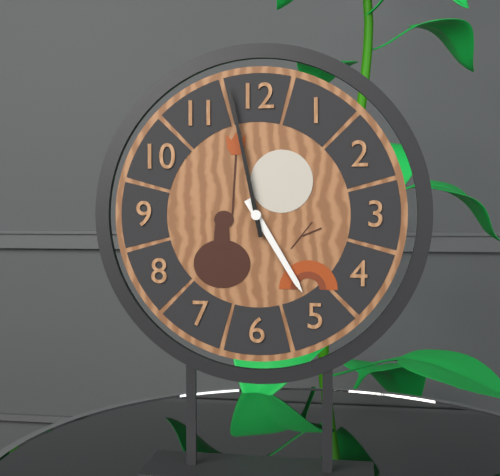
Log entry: 4:58
